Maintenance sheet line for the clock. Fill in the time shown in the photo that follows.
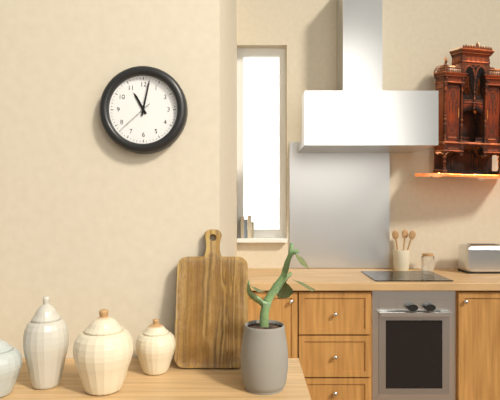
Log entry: 11:02
